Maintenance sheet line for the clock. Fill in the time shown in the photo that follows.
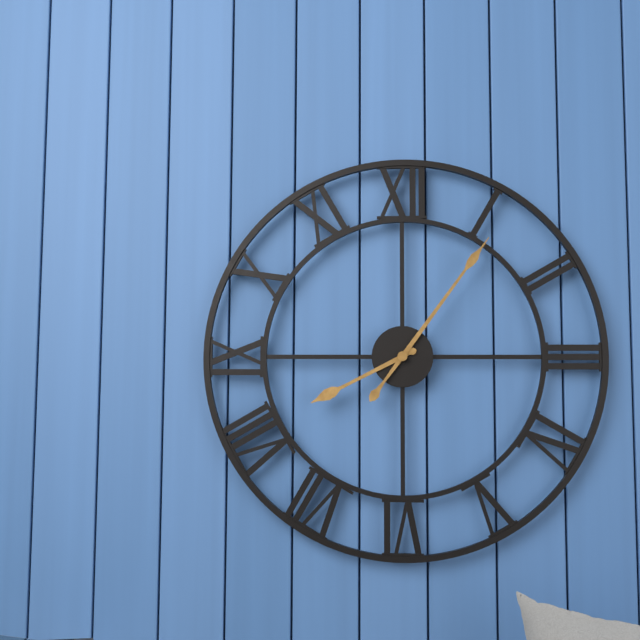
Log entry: 8:06
